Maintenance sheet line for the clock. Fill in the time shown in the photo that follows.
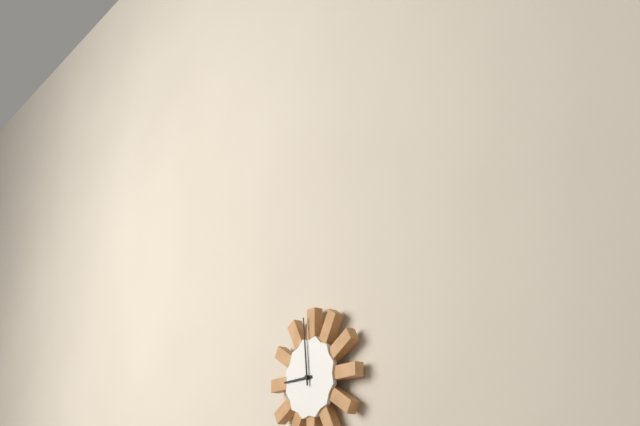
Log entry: 8:59
